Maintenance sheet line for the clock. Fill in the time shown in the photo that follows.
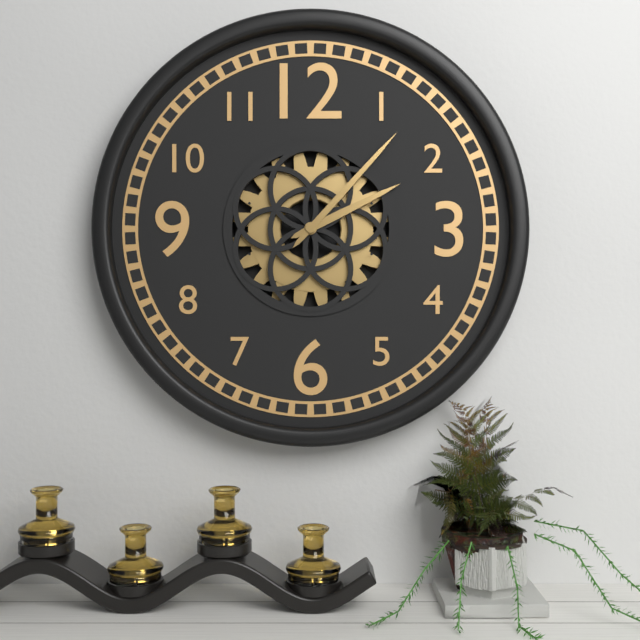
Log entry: 2:07
